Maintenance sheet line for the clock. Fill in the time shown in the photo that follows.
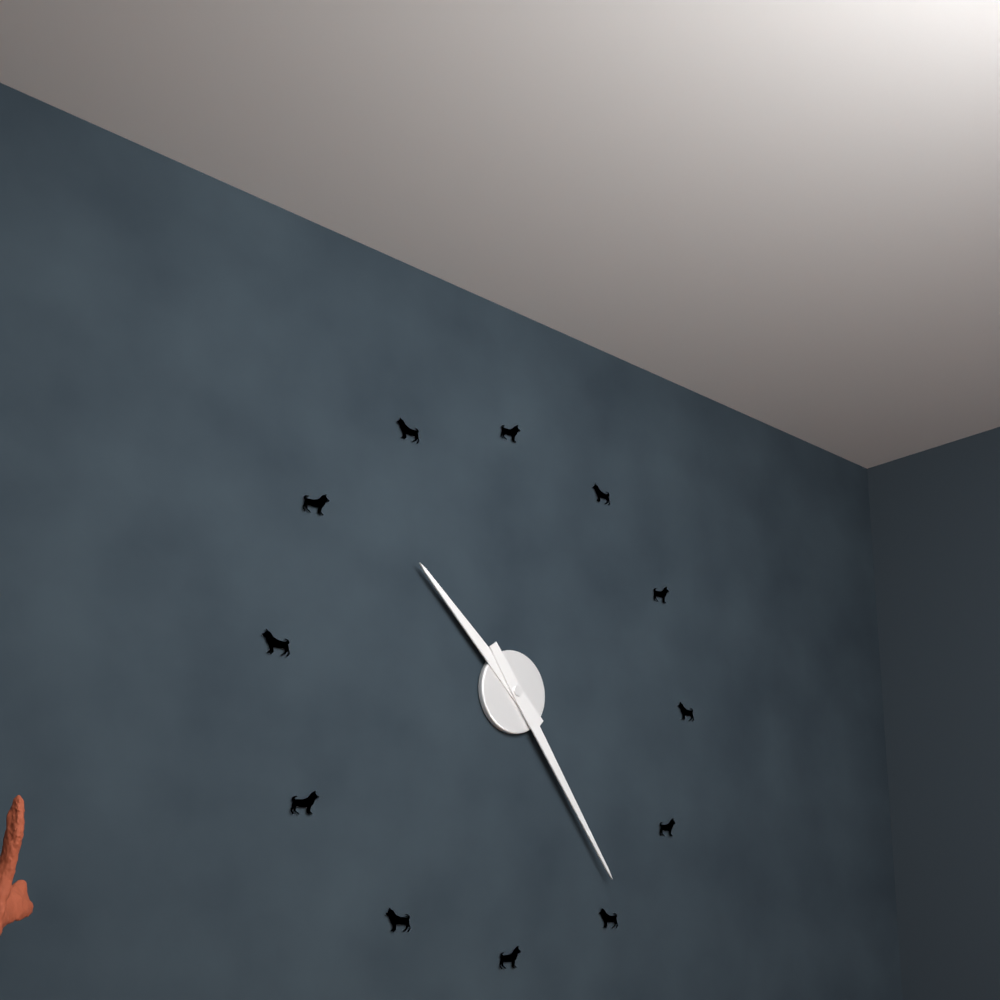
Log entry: 10:24
